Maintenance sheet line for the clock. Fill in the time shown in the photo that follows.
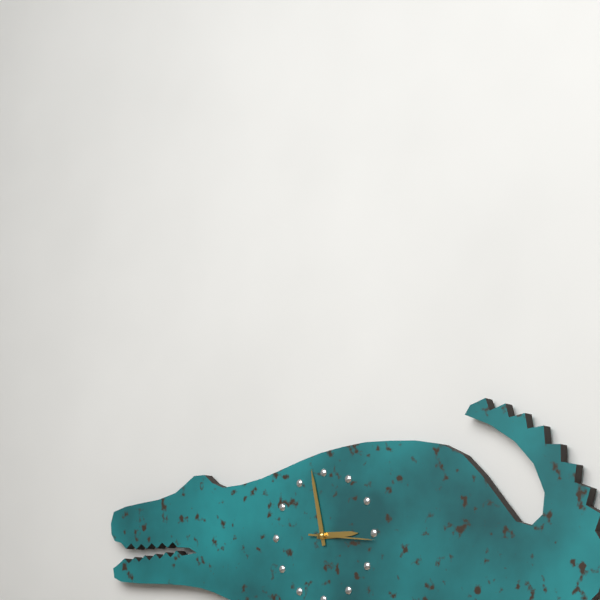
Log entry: 2:58:16
